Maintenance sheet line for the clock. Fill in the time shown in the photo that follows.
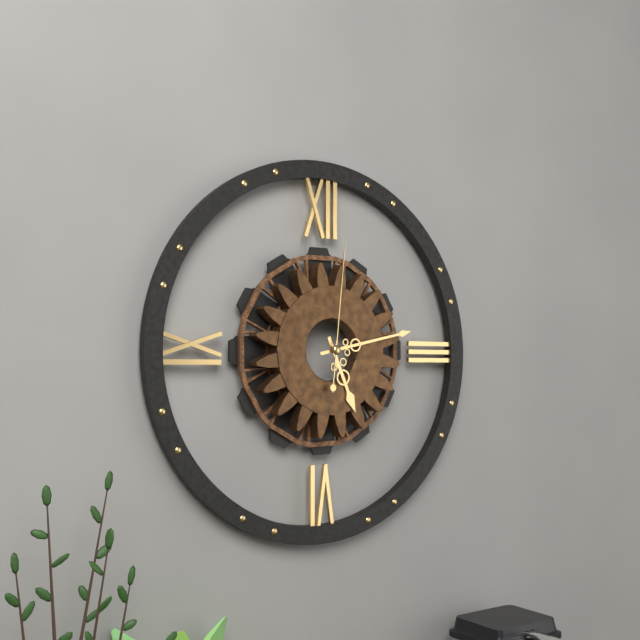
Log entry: 5:13:01
